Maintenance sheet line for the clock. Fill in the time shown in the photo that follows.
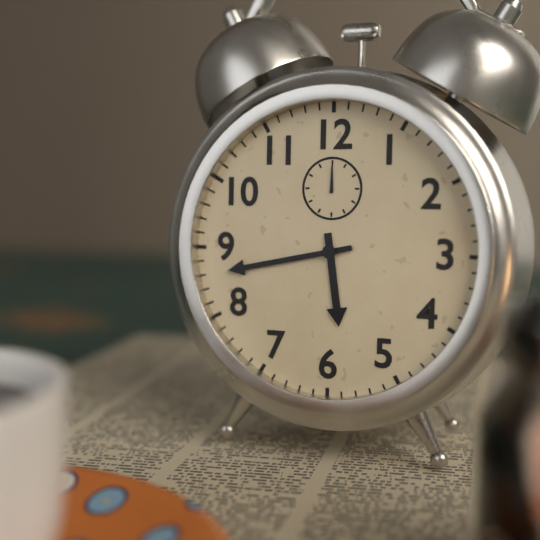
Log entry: 5:43
